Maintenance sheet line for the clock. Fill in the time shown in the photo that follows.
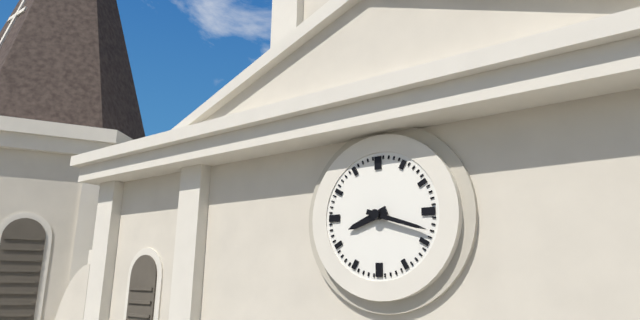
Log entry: 8:18
